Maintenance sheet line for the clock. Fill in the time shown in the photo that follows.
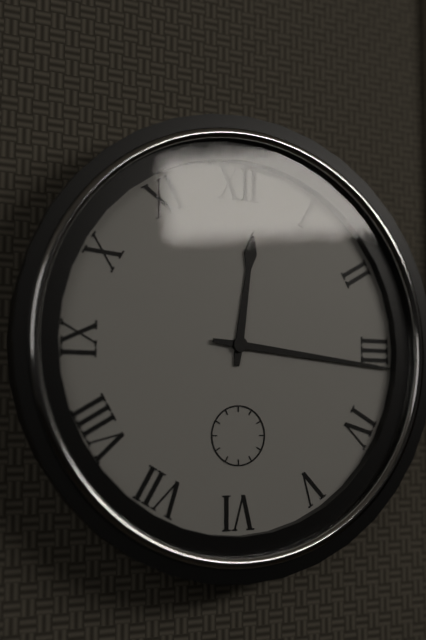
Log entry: 12:16
